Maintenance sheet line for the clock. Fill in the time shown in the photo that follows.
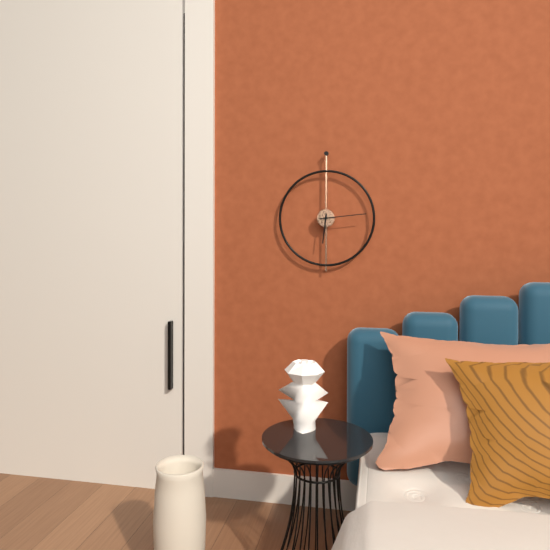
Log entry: 6:14
